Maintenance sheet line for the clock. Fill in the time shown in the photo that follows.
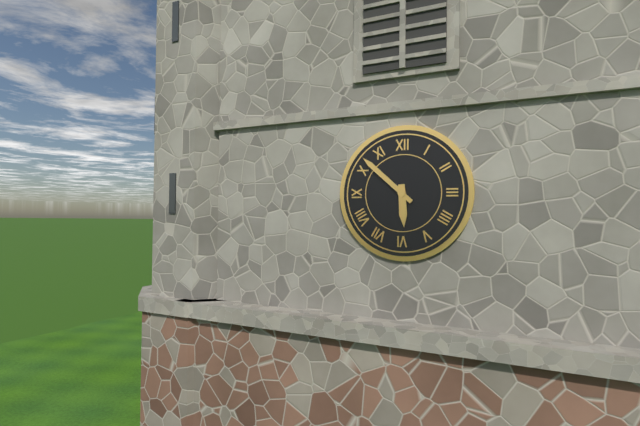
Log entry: 5:52
